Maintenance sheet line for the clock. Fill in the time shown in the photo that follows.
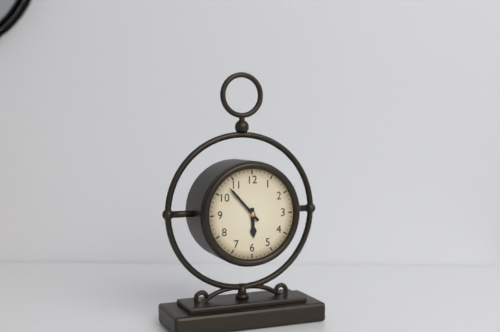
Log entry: 5:53
